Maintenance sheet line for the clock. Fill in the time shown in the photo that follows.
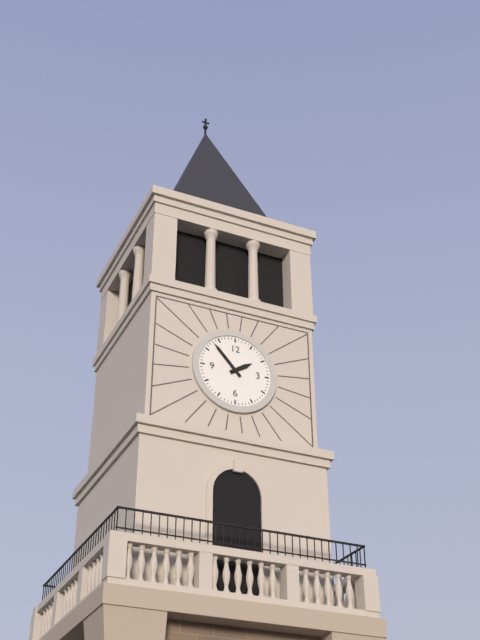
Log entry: 1:53
